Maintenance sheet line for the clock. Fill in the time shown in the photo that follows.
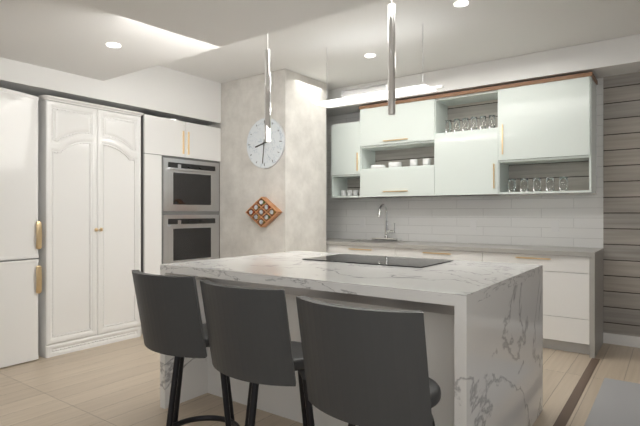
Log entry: 8:31
